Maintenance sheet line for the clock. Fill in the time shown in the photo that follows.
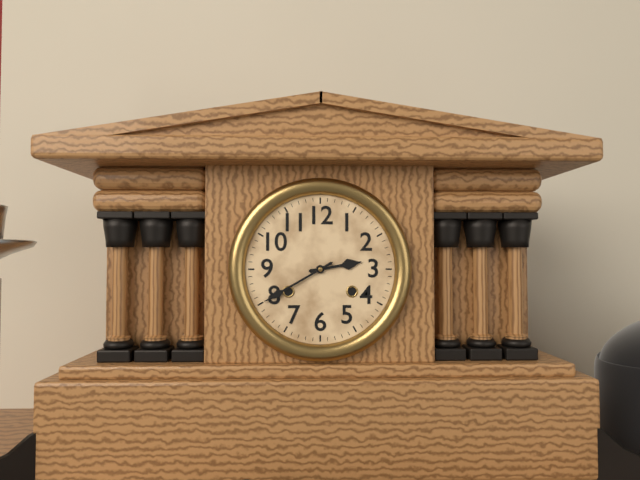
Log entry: 2:40
